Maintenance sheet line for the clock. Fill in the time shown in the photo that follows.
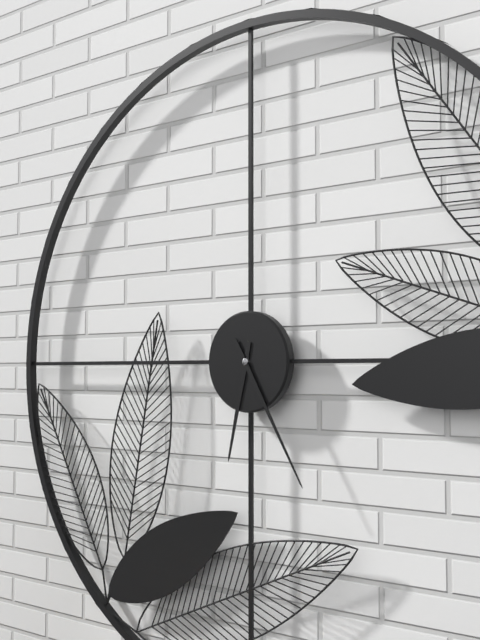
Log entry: 6:25
